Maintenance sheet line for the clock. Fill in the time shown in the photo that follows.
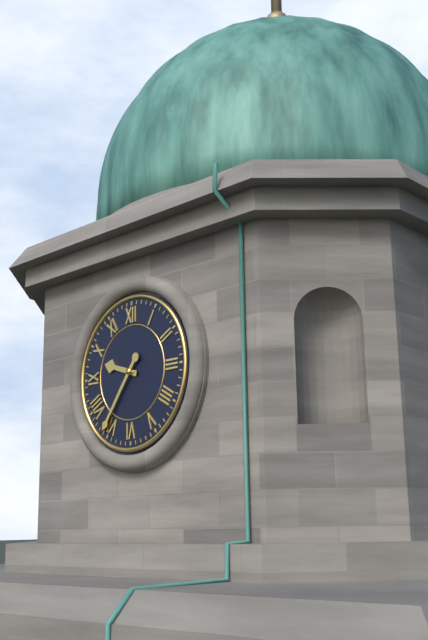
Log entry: 9:36
